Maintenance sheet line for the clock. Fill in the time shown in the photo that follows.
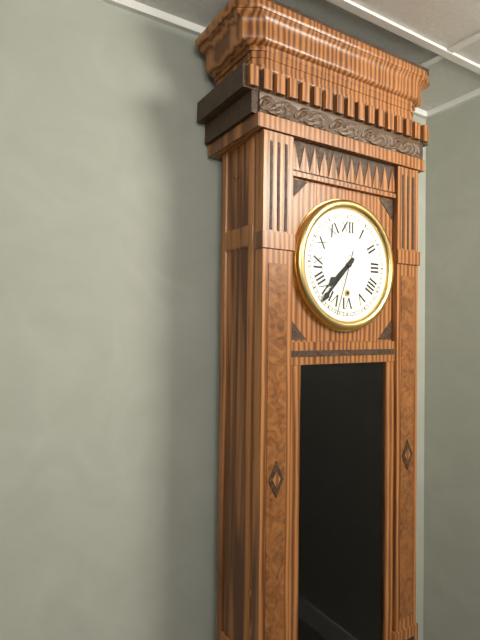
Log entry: 7:37:33
